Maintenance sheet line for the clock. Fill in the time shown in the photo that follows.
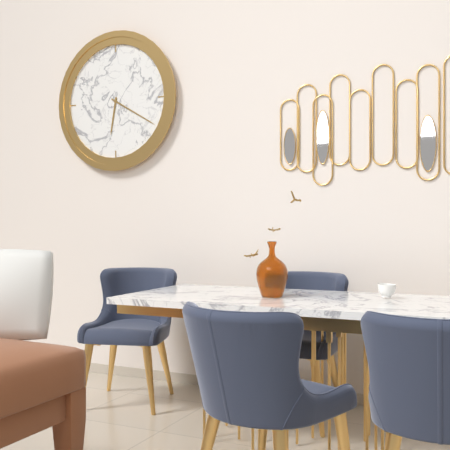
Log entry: 6:20
